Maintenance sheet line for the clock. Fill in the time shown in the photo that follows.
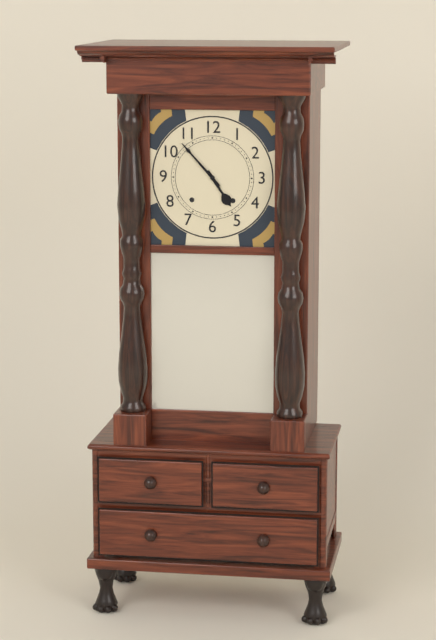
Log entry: 4:53
